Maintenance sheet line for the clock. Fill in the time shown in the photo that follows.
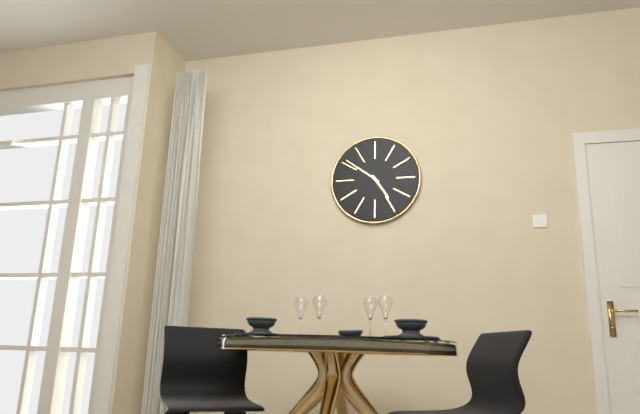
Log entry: 4:51
